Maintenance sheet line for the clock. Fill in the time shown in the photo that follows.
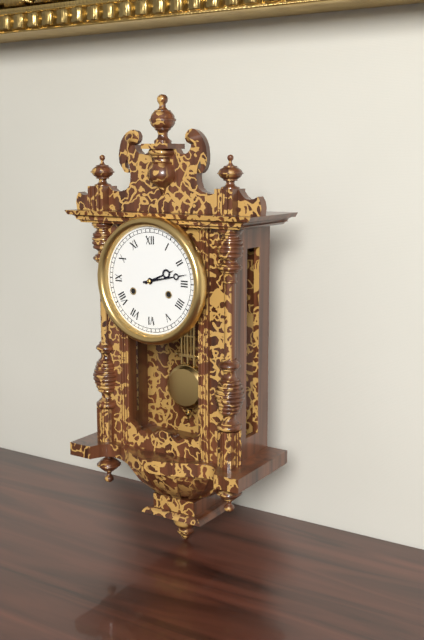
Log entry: 2:13
